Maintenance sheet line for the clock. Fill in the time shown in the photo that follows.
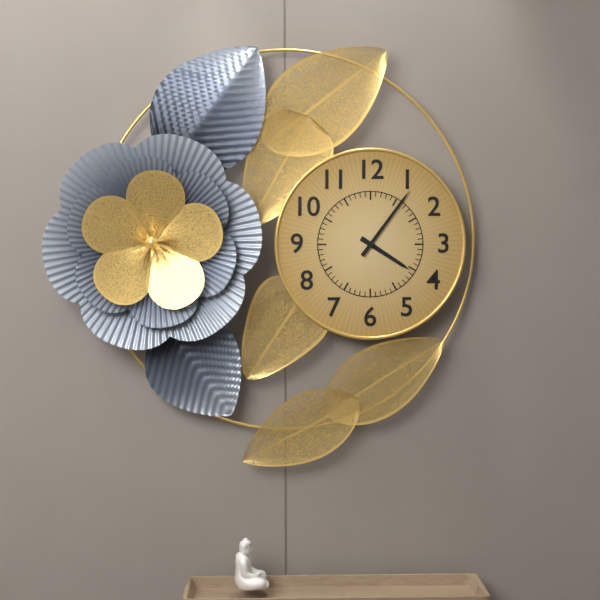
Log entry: 4:06
